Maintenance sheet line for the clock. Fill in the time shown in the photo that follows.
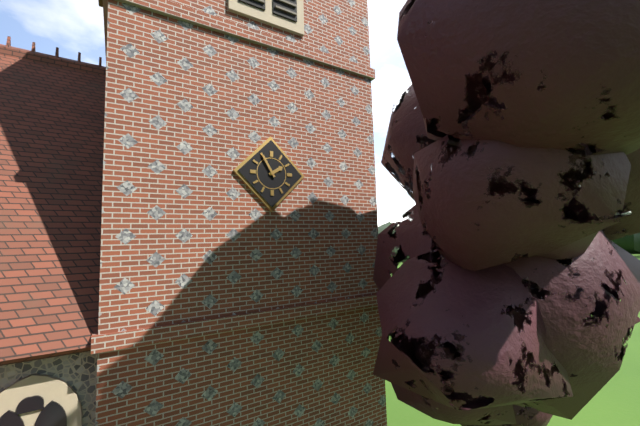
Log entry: 1:55
